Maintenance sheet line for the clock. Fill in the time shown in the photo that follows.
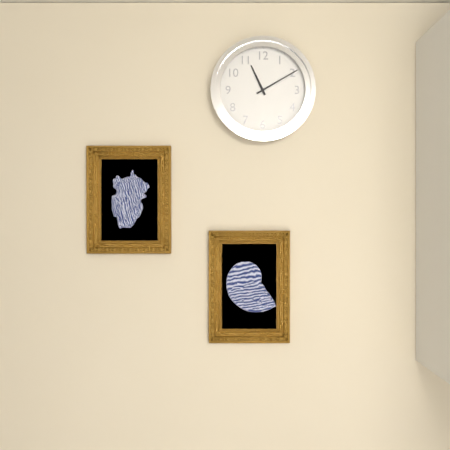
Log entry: 11:10
